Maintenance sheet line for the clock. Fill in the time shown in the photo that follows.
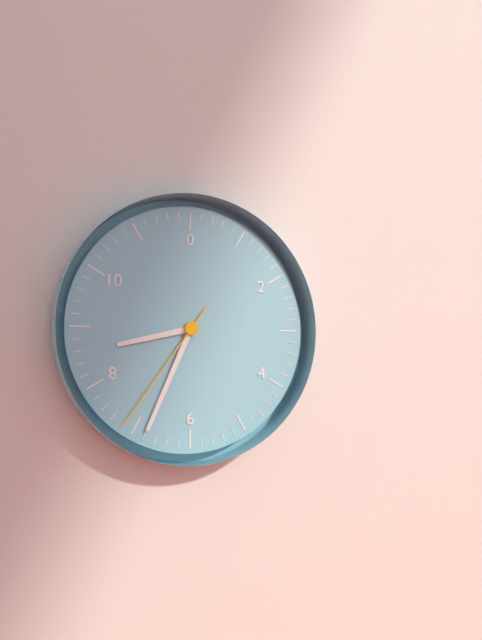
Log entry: 8:34:36
